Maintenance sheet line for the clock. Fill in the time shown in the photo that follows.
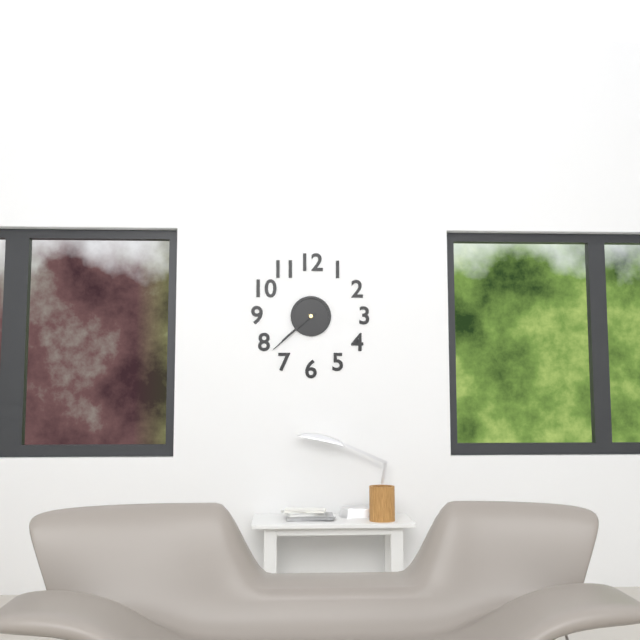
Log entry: 7:38
